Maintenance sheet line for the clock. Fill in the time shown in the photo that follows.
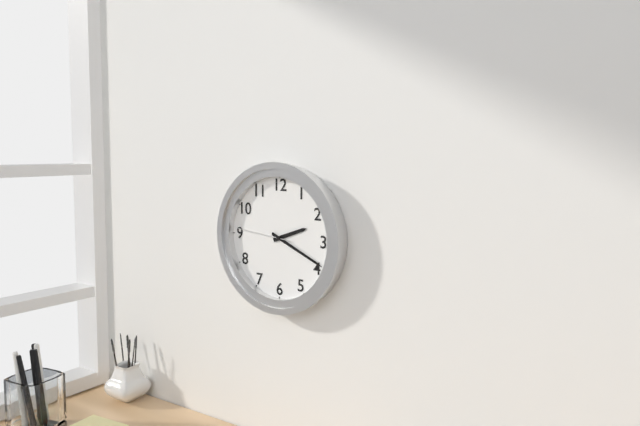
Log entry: 2:19:46
